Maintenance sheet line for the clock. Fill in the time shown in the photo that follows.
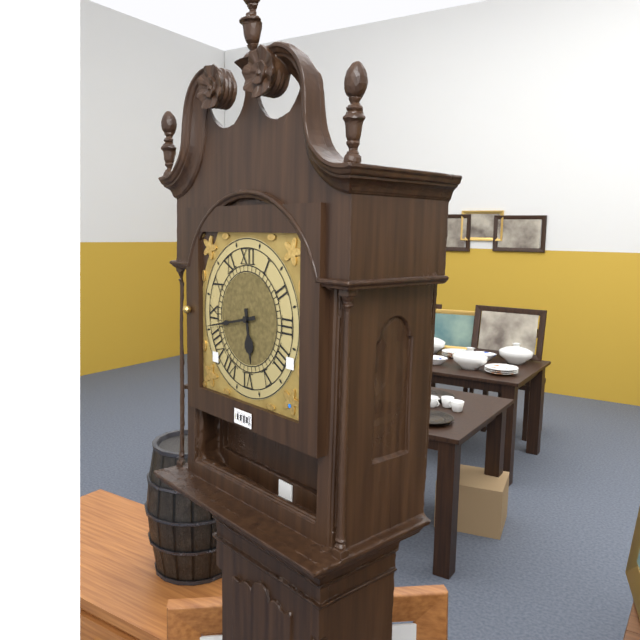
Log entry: 5:43
